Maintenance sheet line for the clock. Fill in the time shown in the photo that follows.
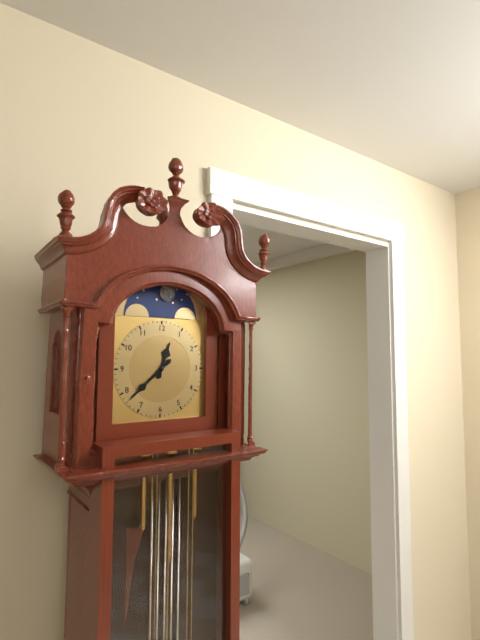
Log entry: 12:38
